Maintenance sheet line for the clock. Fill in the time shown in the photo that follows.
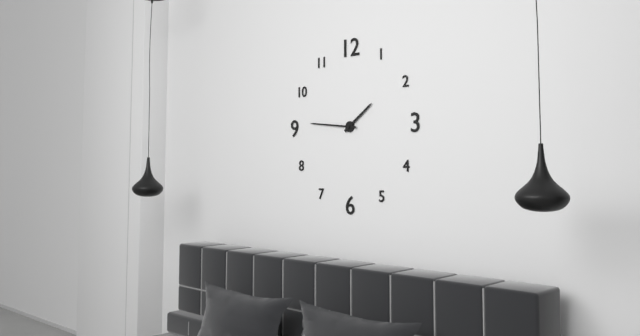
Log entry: 1:46
